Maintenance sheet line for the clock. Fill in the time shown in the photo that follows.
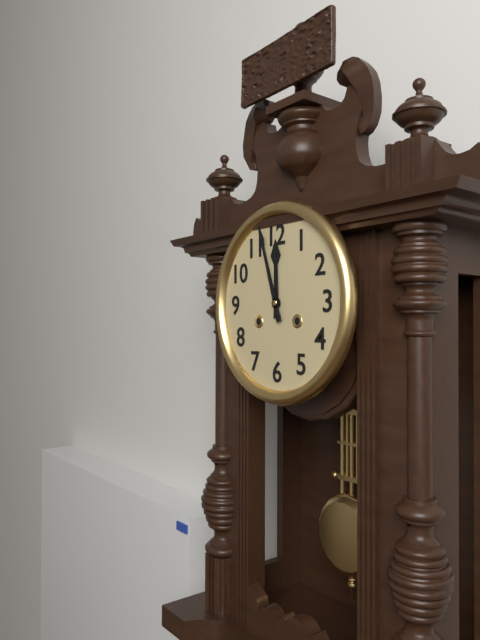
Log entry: 11:57
